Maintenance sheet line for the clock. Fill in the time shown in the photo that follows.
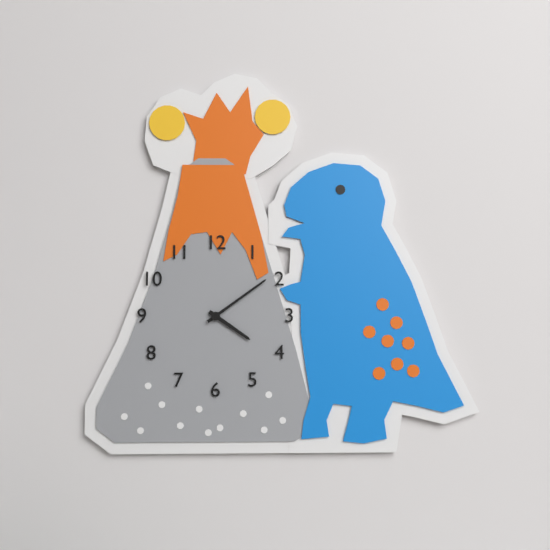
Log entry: 4:09
